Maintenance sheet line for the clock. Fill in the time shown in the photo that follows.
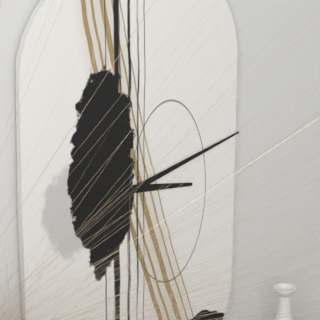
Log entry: 3:12
